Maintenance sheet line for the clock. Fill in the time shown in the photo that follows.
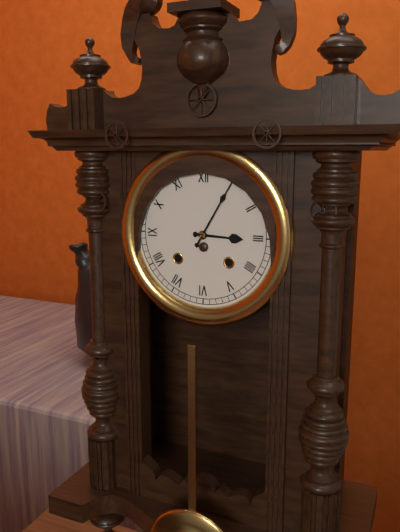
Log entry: 3:05
